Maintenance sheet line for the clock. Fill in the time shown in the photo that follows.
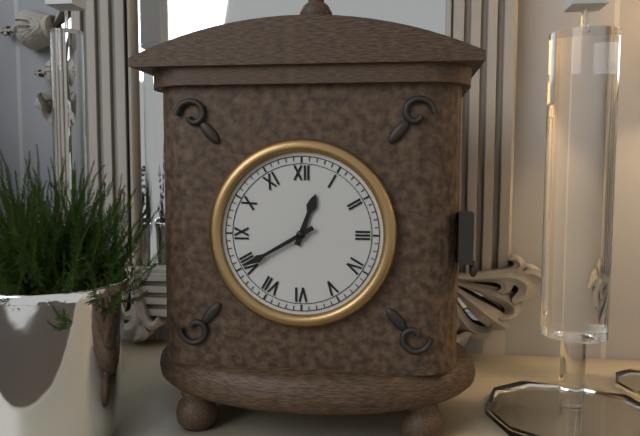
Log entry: 12:40
